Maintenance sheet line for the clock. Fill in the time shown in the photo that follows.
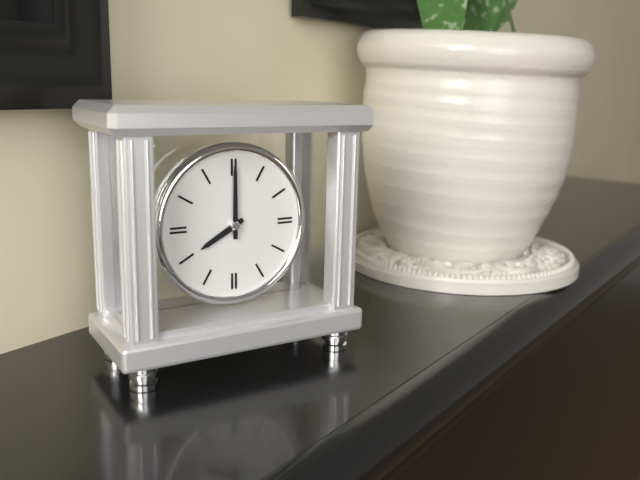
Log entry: 8:00
